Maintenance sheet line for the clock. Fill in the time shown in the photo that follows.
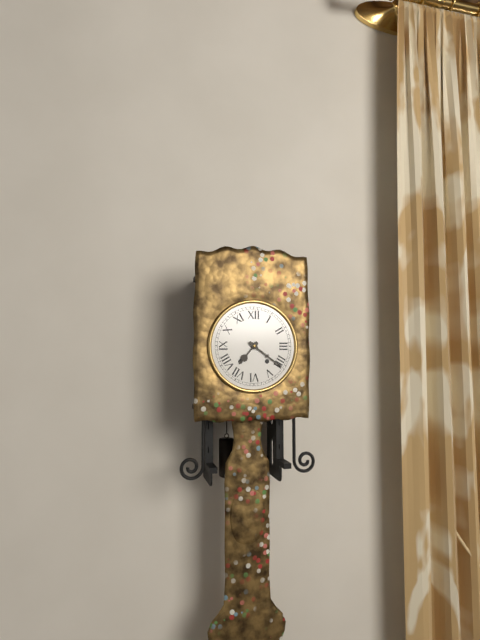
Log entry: 7:21
